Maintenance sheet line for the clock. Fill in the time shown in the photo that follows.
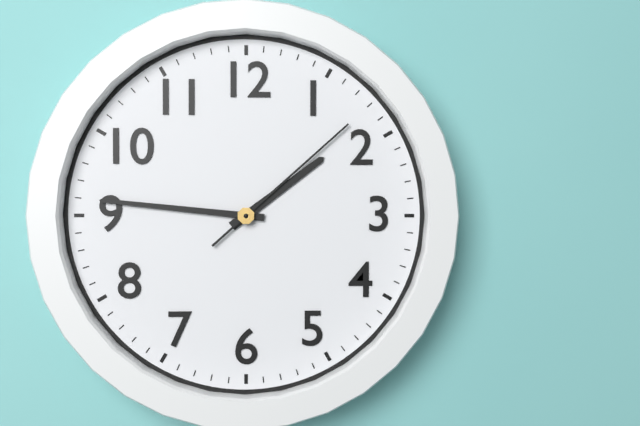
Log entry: 1:46:08
